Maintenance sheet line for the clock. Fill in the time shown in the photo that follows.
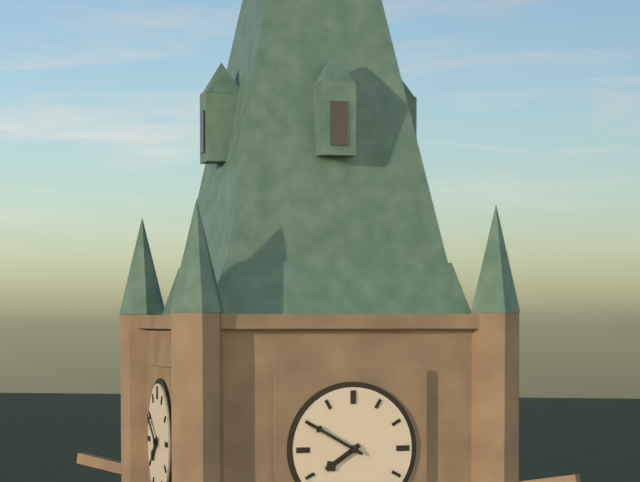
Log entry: 7:50
